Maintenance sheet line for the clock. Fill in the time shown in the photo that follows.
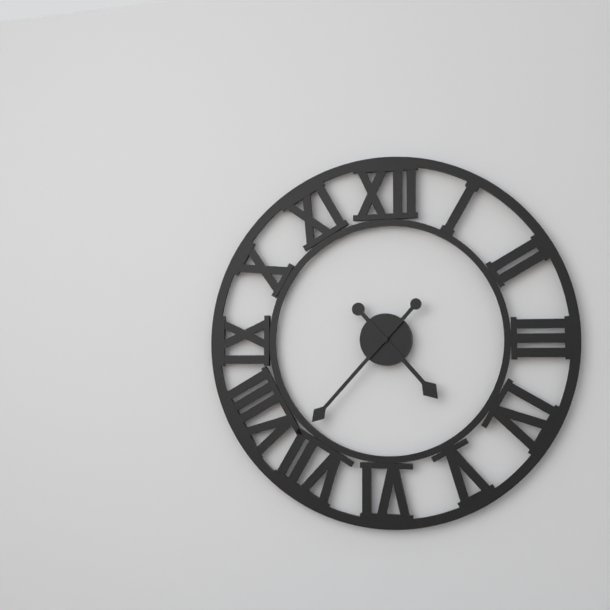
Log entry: 4:37
